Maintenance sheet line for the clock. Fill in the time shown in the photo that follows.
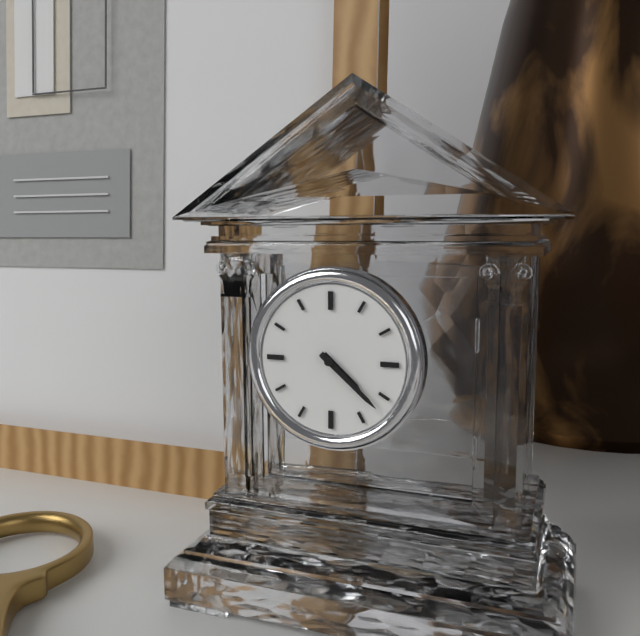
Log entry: 4:22
